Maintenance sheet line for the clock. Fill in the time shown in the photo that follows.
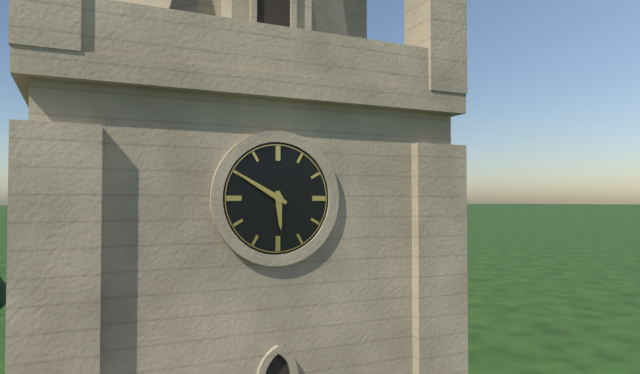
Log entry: 5:50
